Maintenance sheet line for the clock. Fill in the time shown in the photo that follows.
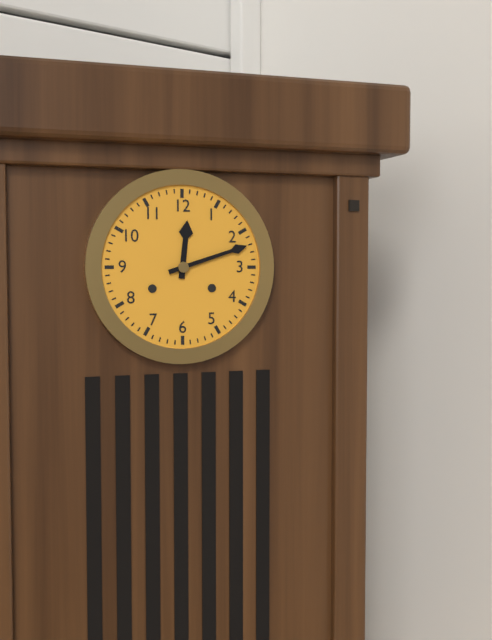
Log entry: 12:12
